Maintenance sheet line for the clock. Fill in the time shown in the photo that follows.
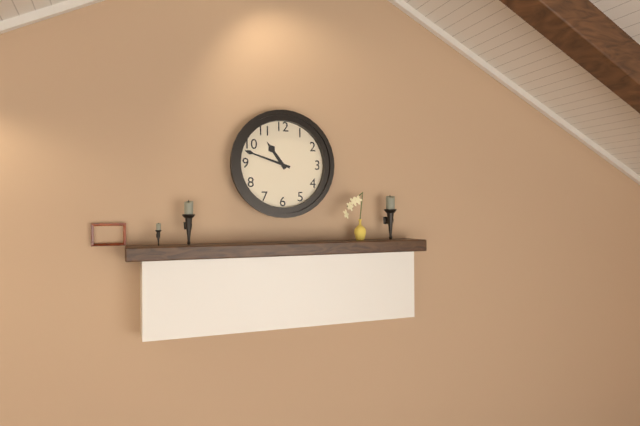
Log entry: 10:48
